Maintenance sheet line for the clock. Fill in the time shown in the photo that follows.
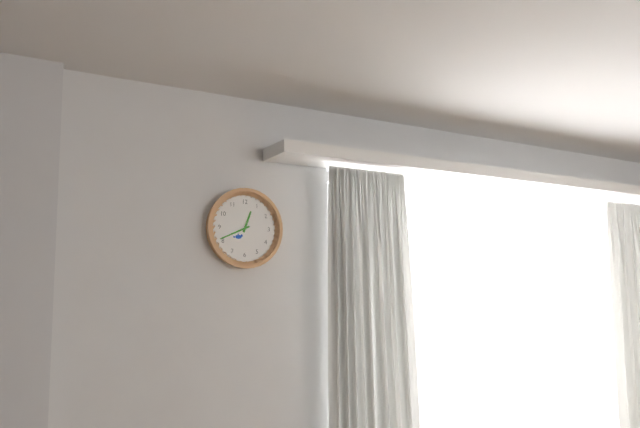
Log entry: 12:41
